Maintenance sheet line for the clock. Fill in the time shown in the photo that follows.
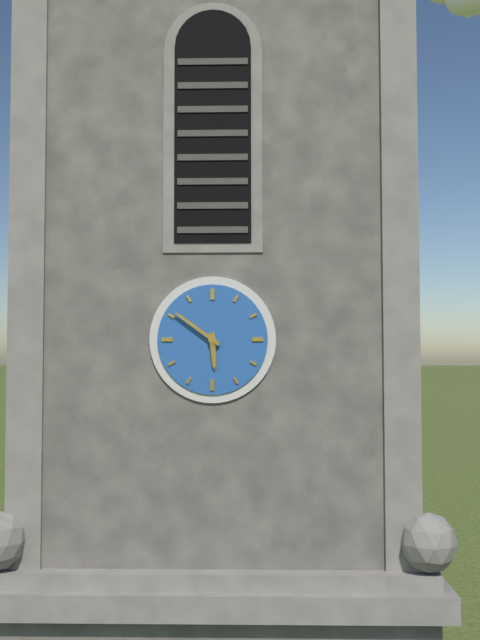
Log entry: 5:51
